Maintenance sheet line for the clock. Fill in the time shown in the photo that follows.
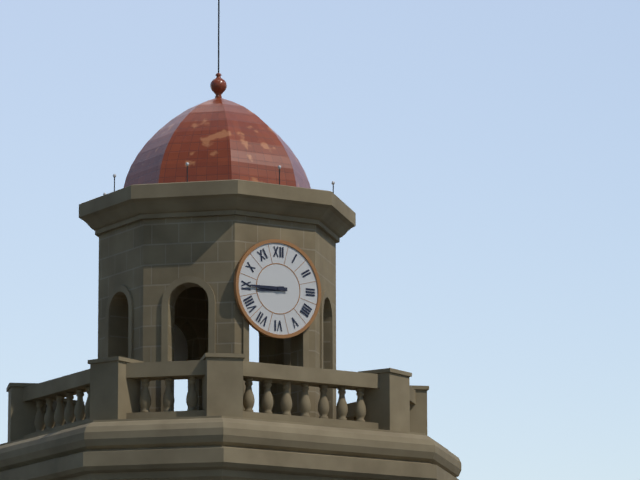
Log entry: 8:45
